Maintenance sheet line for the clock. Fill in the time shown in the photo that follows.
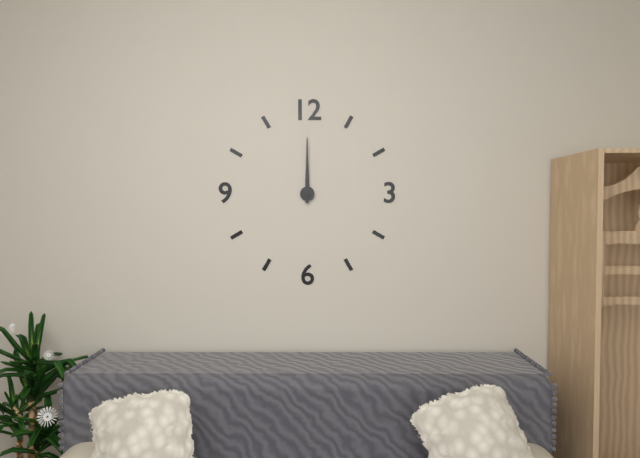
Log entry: 12:00
